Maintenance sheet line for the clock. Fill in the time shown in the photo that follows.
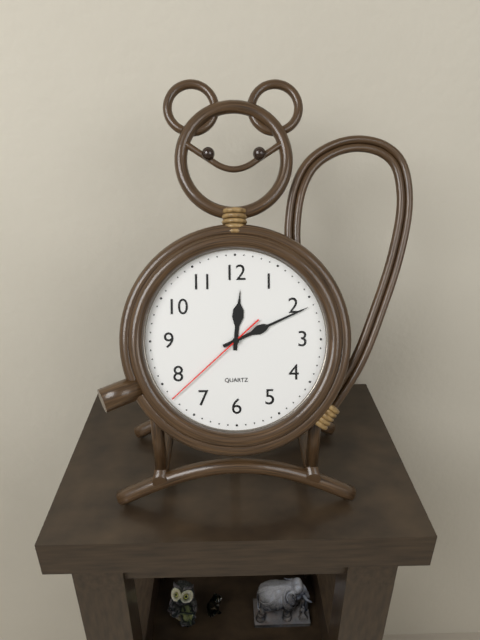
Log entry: 12:11:38
